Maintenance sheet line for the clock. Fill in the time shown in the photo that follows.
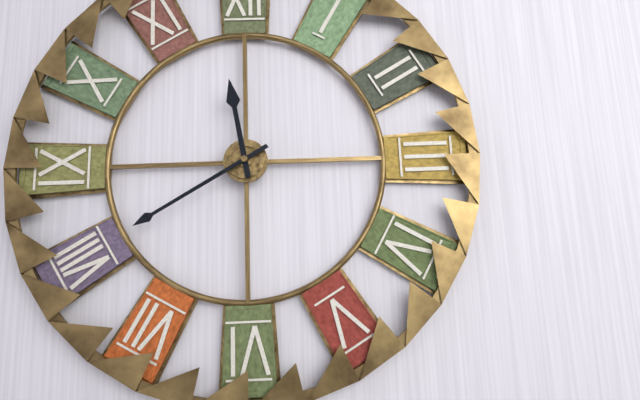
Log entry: 11:40
